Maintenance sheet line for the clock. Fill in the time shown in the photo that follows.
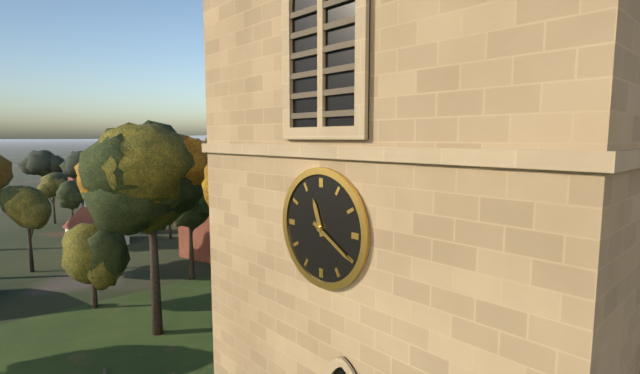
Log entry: 11:20
